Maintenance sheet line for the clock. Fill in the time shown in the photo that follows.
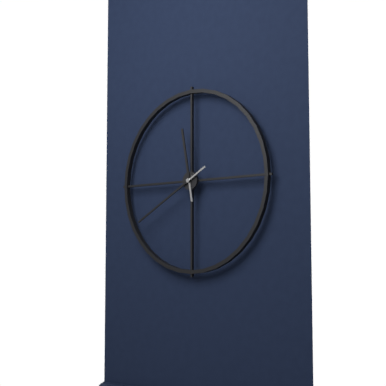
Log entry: 11:40
